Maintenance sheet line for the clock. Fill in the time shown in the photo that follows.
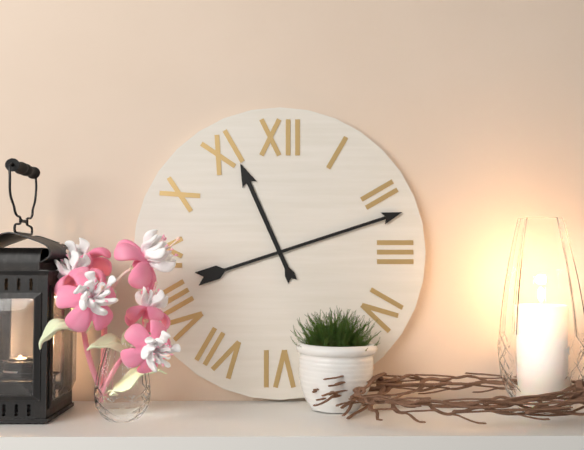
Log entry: 11:12
